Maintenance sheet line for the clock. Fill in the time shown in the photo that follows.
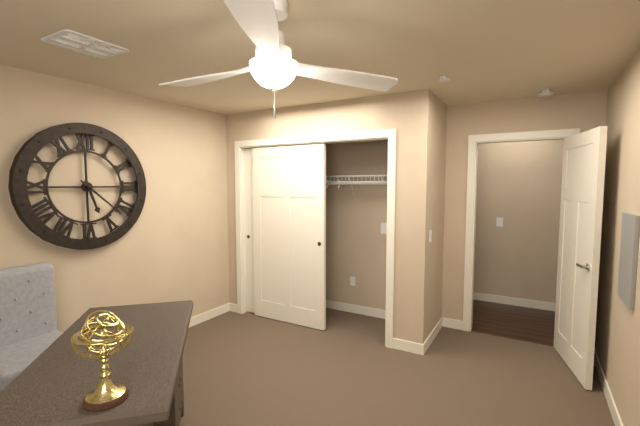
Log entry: 5:22
